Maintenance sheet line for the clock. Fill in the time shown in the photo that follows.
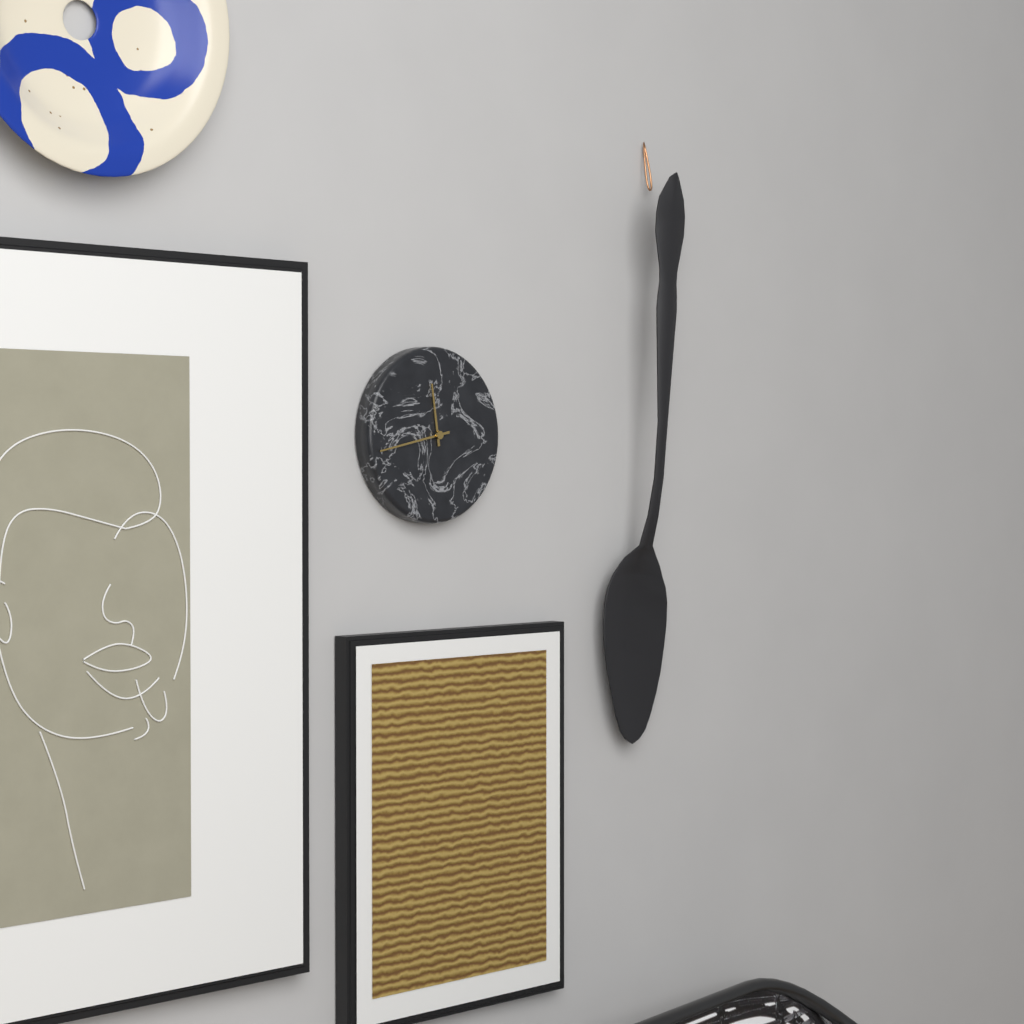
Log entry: 11:43
